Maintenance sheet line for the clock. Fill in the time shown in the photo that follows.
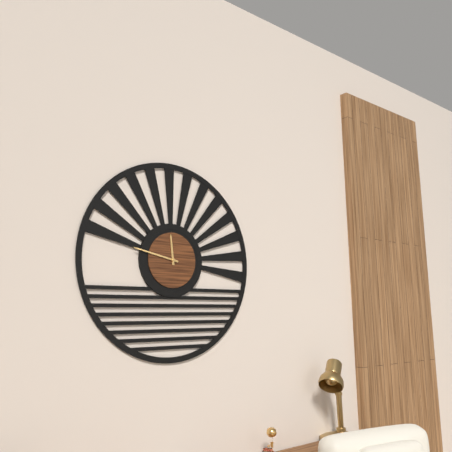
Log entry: 11:47
